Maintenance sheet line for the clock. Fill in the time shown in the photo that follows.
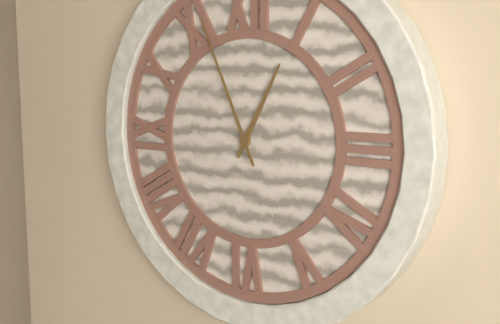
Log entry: 12:56
